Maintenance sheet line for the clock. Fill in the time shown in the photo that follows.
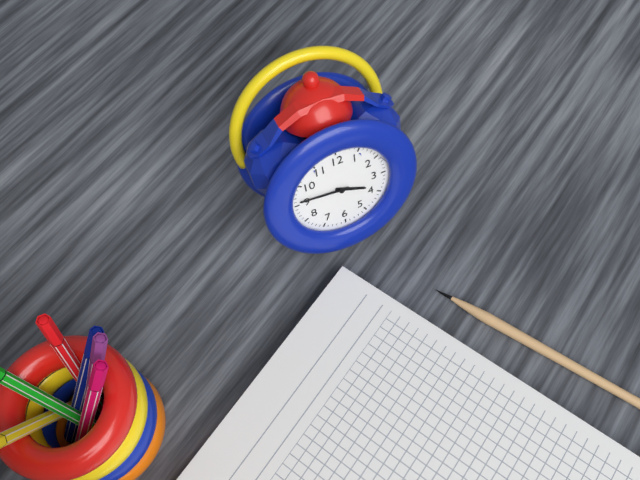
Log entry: 3:46
